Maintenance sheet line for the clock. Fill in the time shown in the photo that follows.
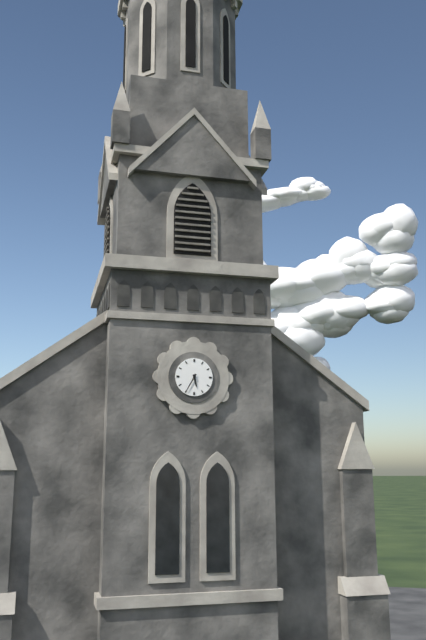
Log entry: 5:35
